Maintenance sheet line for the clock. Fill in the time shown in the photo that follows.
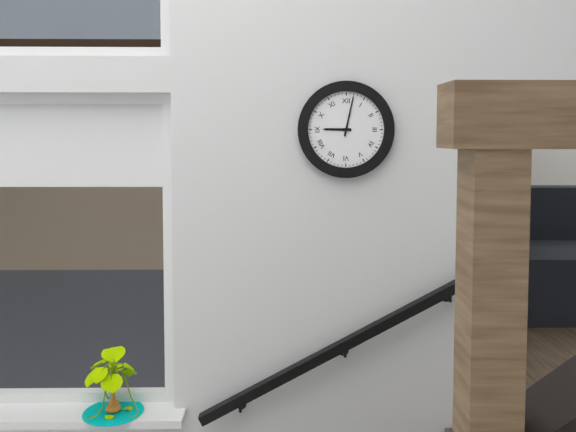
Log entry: 9:02
